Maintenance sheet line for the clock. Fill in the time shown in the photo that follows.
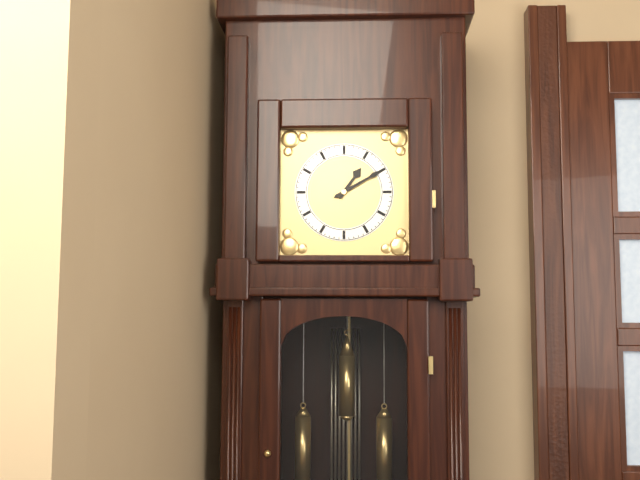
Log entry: 1:10
